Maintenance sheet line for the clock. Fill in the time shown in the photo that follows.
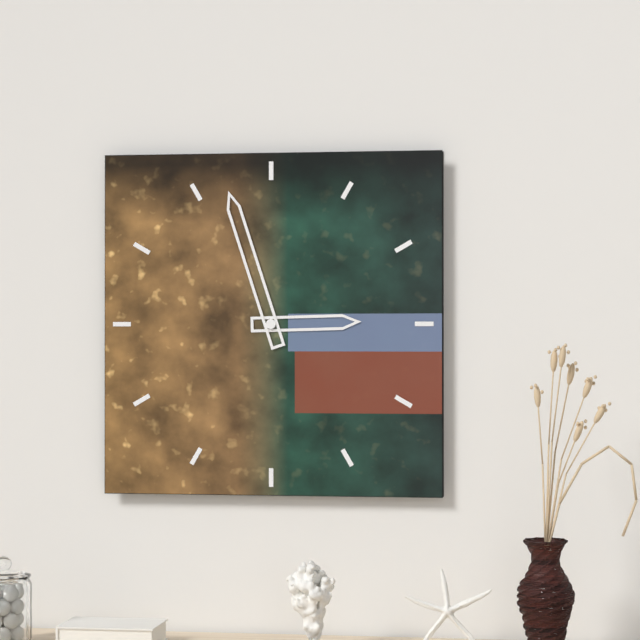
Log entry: 2:57
